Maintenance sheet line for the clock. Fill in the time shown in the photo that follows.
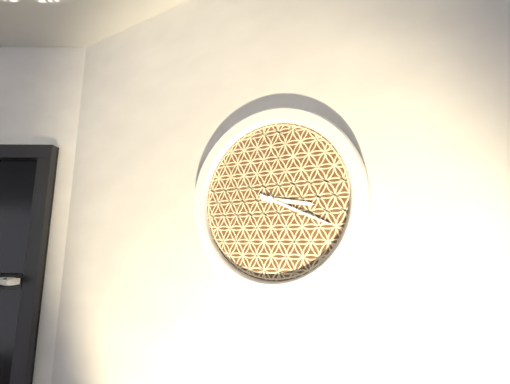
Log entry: 3:19
